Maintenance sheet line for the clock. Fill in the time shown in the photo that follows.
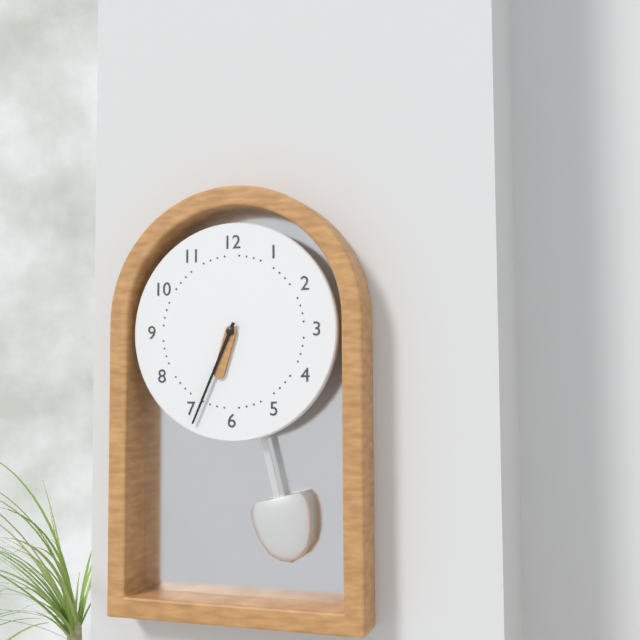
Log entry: 6:34
